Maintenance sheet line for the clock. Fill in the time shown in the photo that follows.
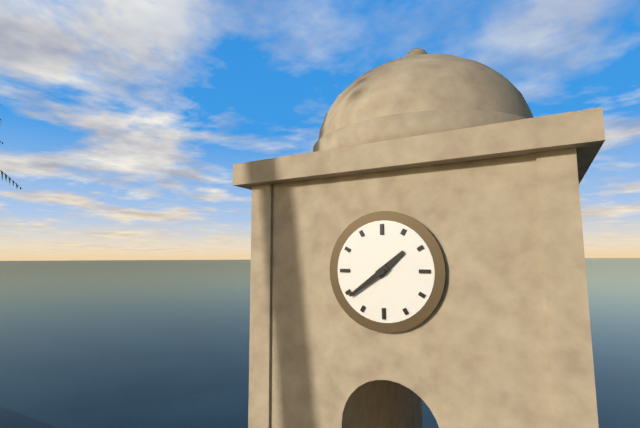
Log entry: 1:39
